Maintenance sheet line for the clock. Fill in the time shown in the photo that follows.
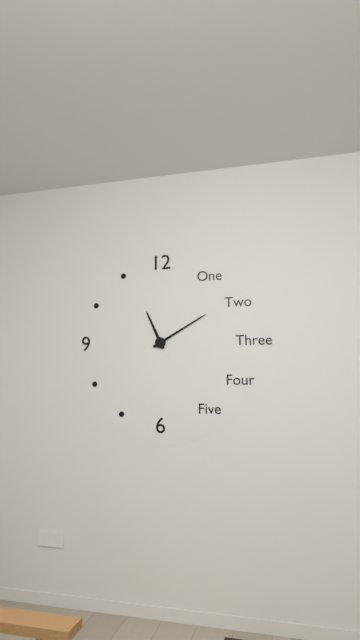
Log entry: 11:10
